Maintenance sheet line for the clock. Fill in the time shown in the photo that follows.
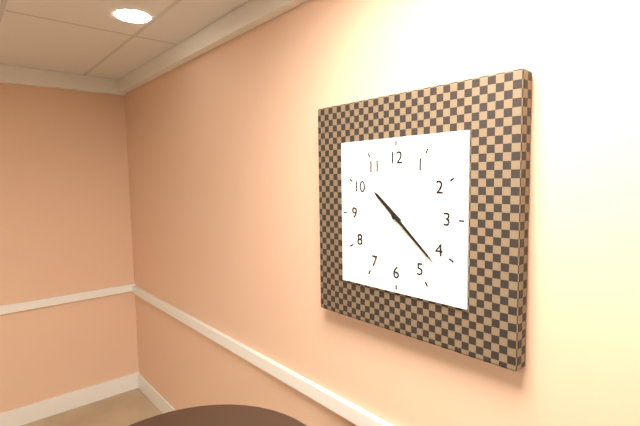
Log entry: 10:22
